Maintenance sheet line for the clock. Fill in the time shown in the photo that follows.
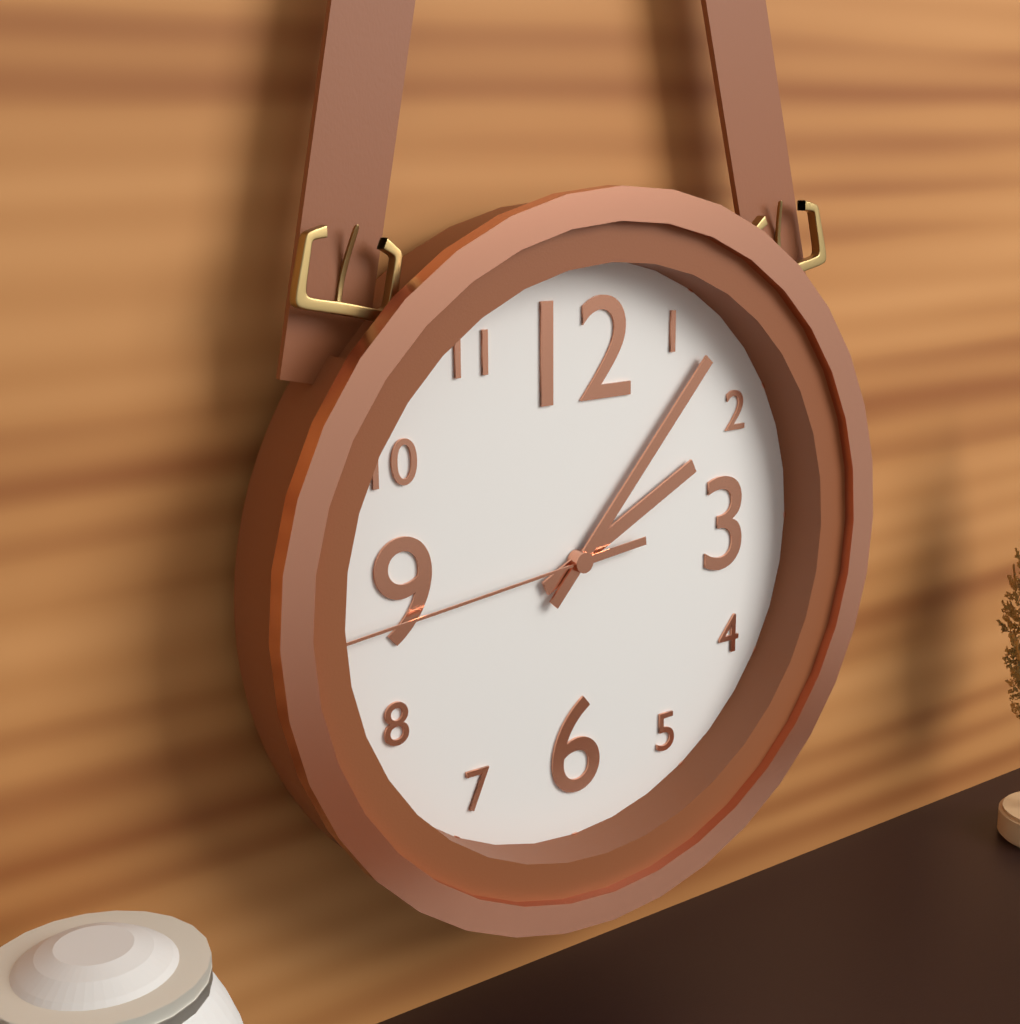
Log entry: 2:07:44
